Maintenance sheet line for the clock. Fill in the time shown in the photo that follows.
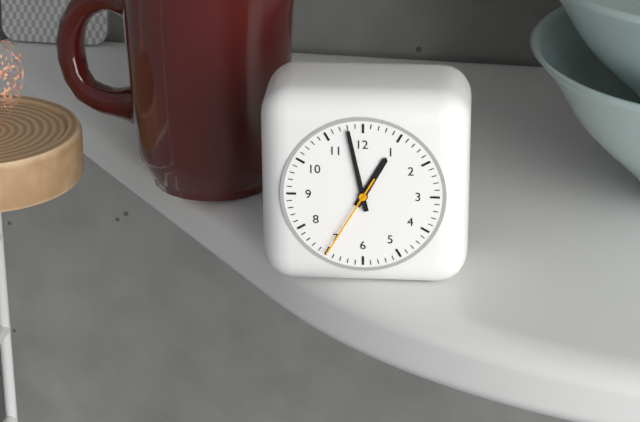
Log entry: 12:58:35
